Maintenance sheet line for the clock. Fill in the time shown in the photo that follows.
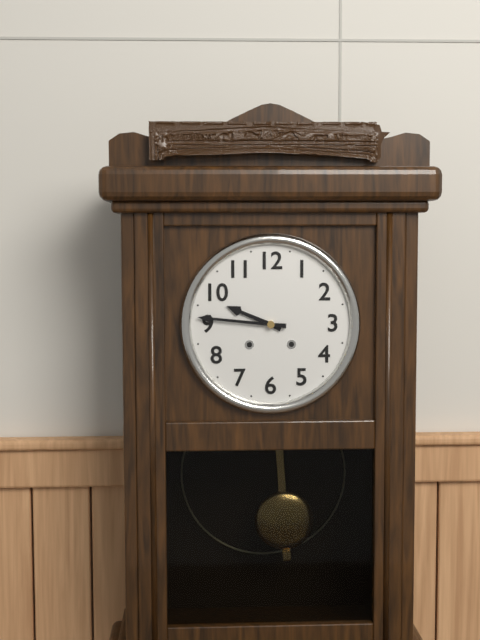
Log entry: 9:46
